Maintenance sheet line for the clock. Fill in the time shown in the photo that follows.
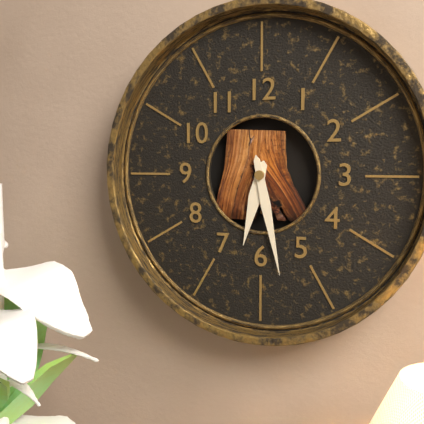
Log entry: 6:28
